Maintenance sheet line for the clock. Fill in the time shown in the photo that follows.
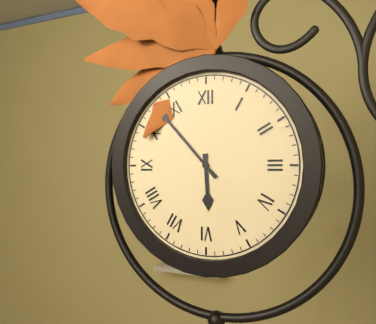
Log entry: 5:53
